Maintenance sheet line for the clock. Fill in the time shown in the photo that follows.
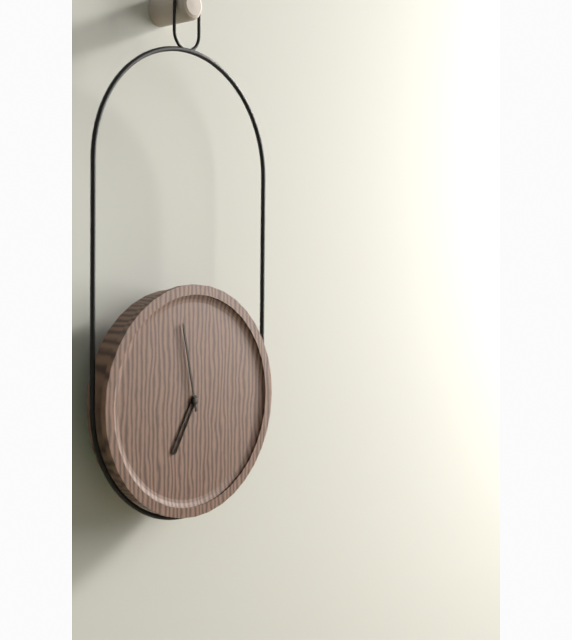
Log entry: 6:58
